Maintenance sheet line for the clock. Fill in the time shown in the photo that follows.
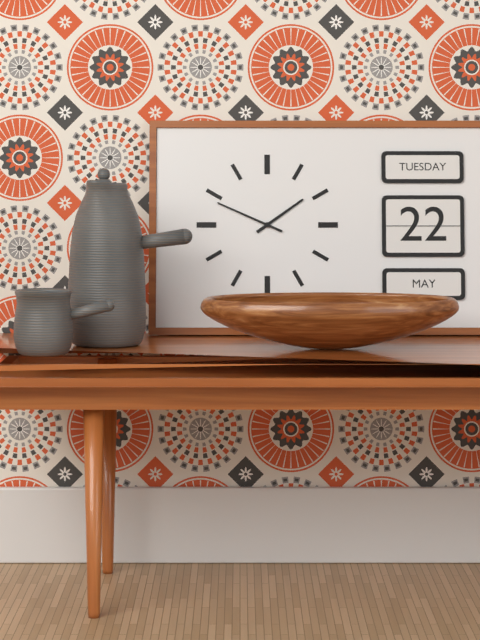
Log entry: 1:49
